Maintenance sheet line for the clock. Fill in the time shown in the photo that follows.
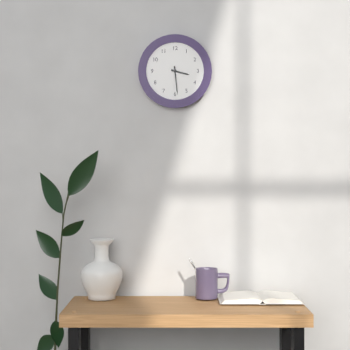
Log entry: 3:29
